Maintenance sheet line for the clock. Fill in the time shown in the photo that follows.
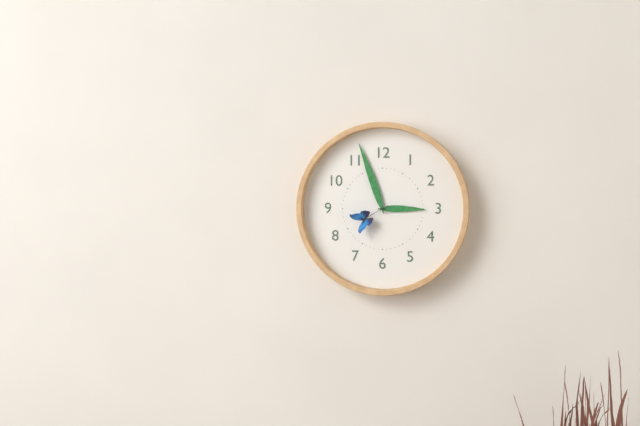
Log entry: 2:57
